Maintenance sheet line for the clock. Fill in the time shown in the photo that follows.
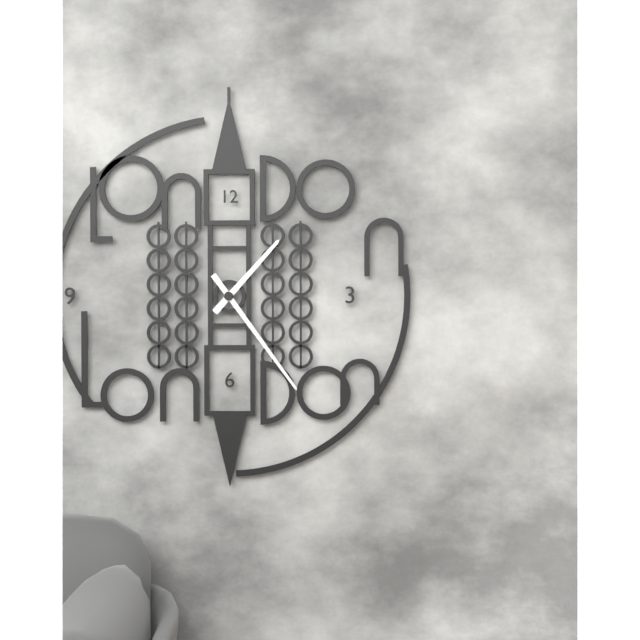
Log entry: 1:24
